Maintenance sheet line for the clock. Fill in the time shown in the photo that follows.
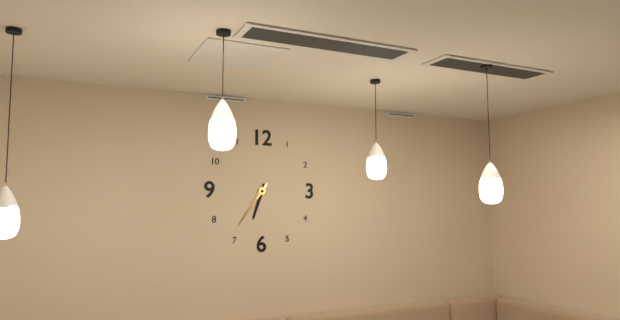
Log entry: 6:36
